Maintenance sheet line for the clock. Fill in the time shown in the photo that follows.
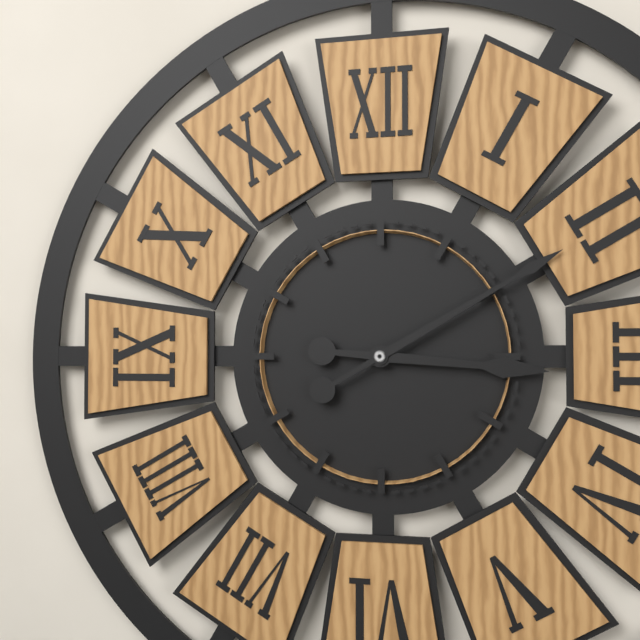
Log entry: 3:10
